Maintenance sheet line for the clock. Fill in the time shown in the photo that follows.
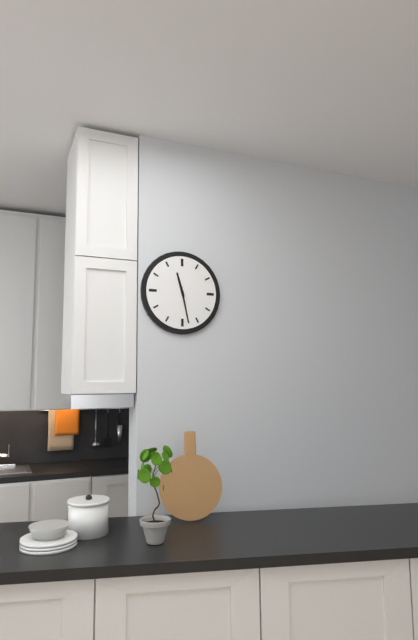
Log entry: 11:28
